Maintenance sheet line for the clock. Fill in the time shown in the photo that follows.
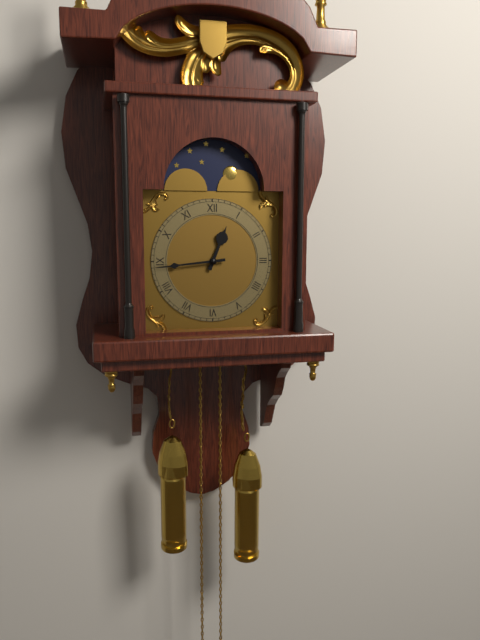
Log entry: 12:44
